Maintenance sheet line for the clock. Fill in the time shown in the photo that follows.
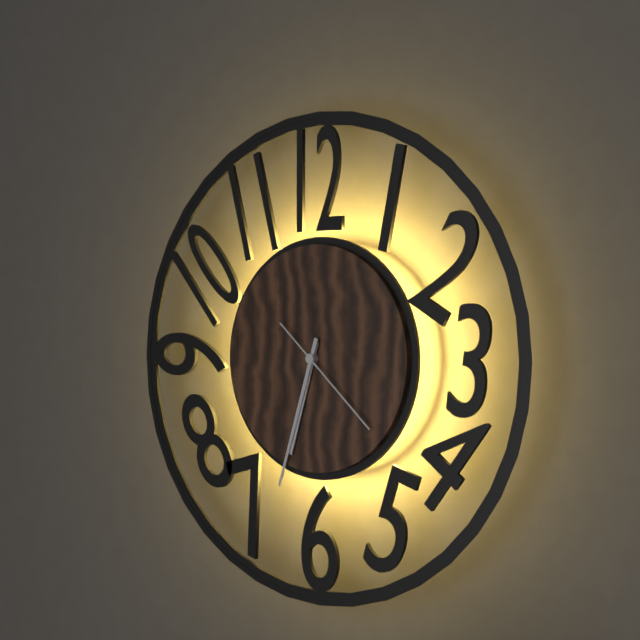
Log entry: 6:33:22
